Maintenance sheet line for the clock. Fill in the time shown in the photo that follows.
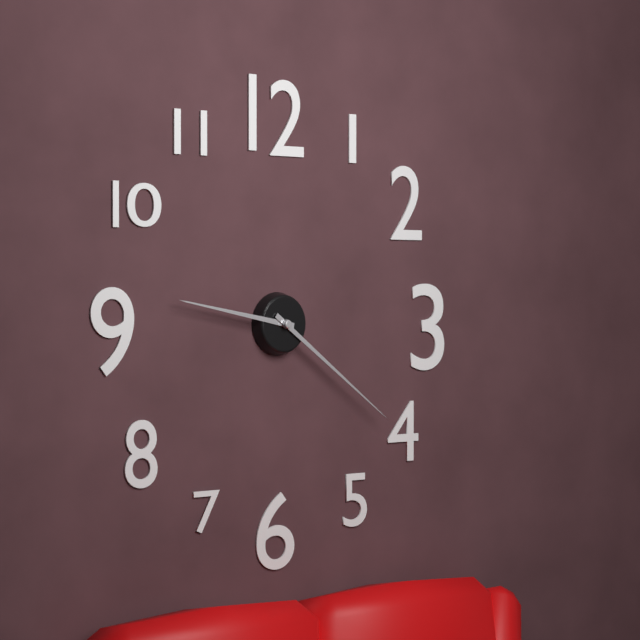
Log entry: 9:21
